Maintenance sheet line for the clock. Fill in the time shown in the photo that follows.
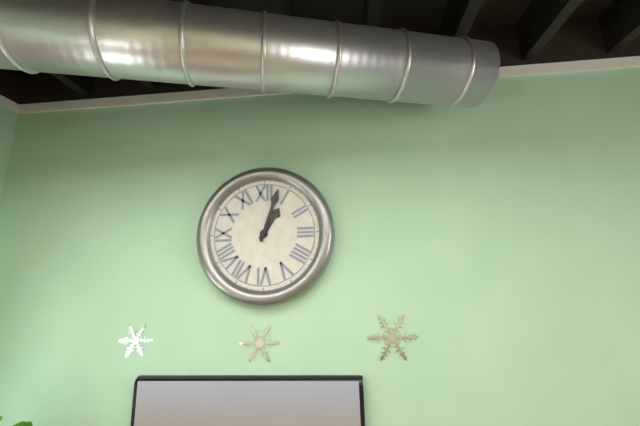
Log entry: 1:03
